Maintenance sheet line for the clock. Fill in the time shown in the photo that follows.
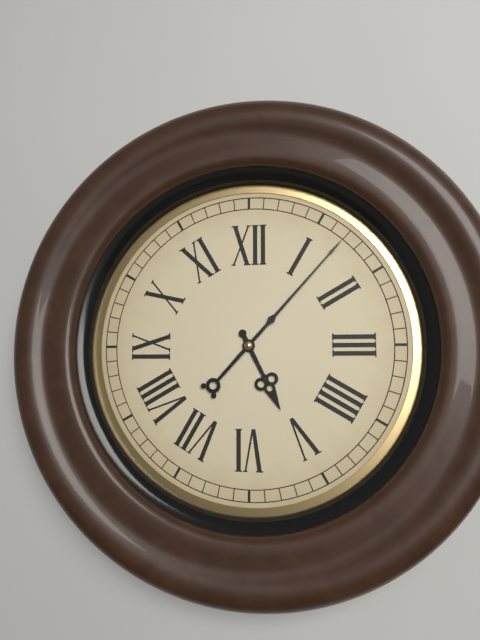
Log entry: 5:07
